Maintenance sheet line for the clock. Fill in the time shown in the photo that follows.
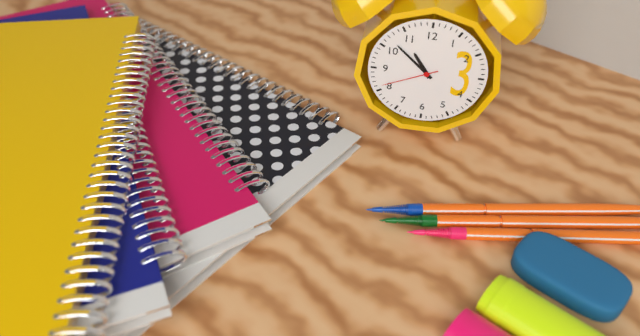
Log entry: 10:52:41
